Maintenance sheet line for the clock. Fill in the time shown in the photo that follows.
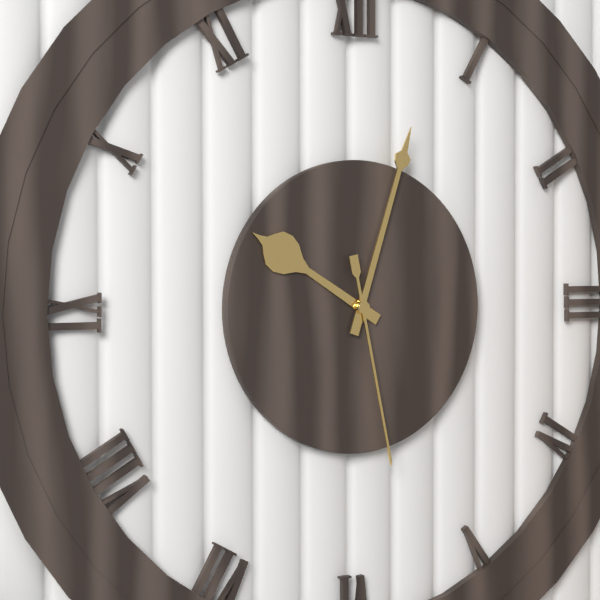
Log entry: 10:03:28
